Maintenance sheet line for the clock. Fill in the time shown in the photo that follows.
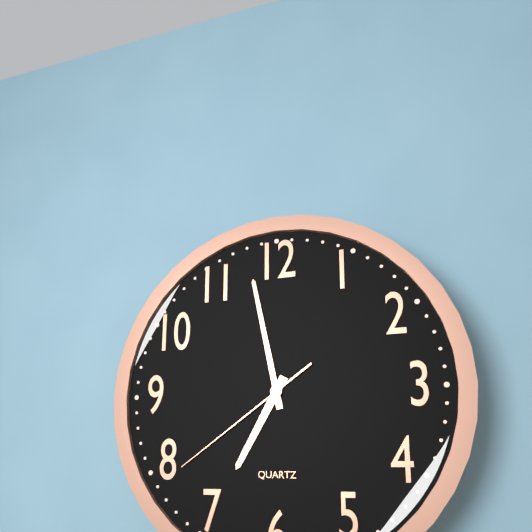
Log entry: 6:58:39
